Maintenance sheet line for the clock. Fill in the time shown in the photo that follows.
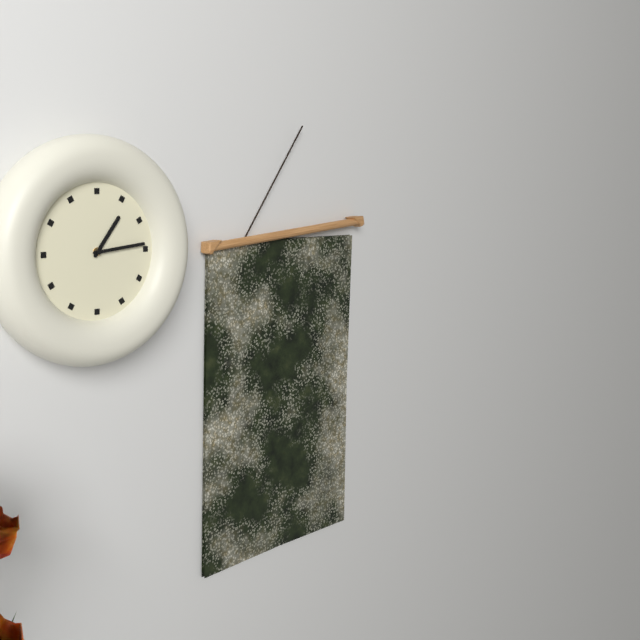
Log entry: 1:14
